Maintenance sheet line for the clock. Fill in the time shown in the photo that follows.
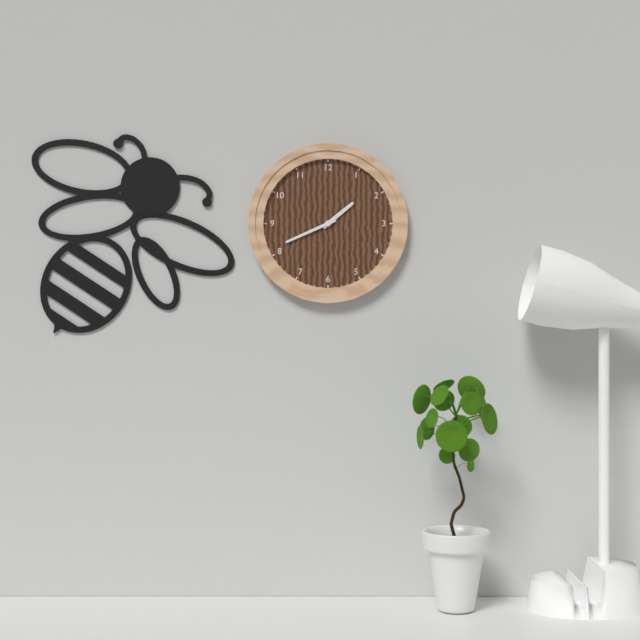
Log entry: 1:41
